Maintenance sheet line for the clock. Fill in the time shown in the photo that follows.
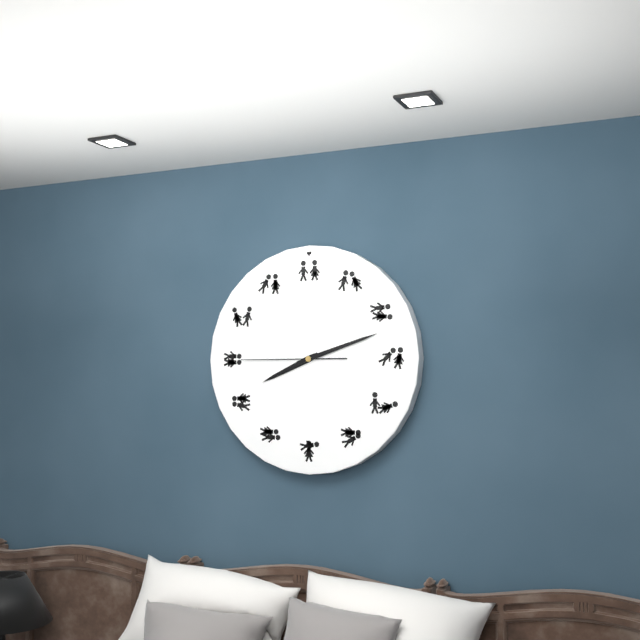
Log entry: 8:12:45
